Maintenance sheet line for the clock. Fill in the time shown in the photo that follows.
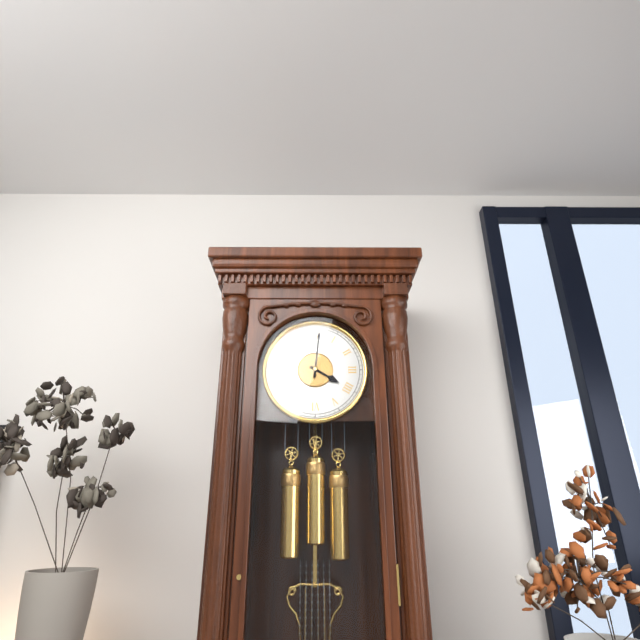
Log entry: 4:01
